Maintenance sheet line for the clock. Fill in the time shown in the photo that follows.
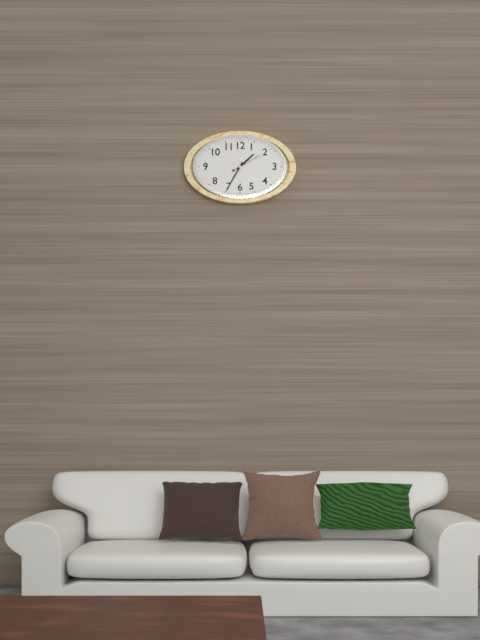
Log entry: 1:35
